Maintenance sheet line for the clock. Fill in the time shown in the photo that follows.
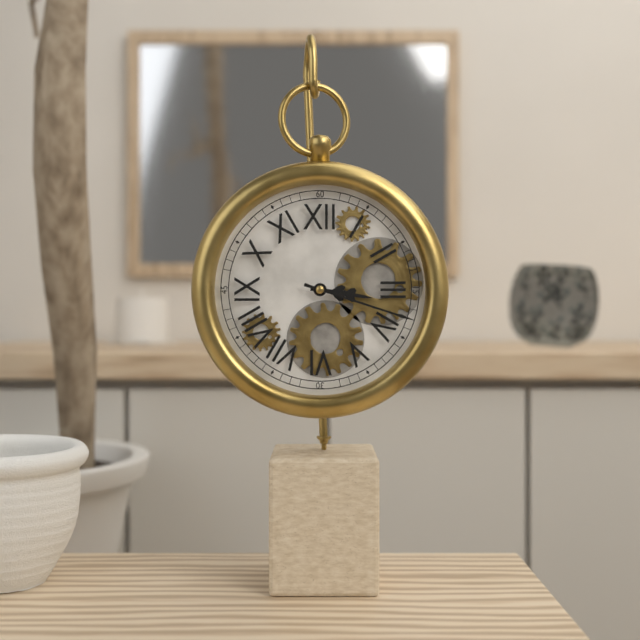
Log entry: 3:18
